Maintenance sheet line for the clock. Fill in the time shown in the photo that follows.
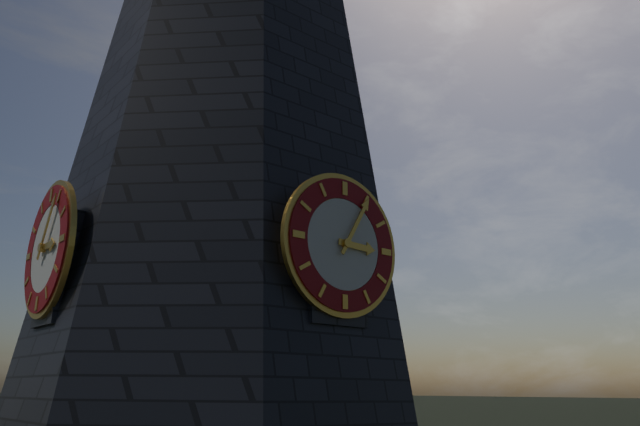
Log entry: 3:05
